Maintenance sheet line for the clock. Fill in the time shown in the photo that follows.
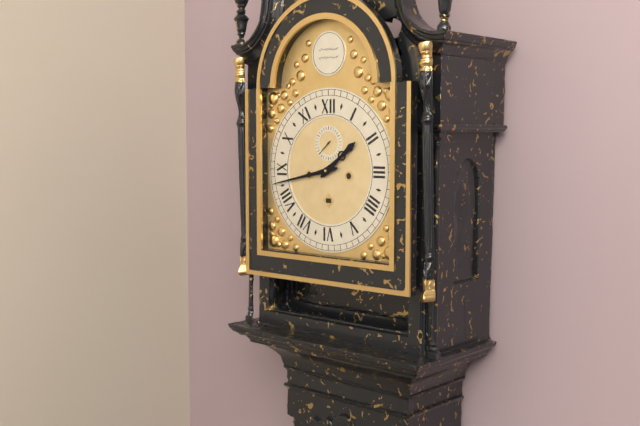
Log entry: 1:43
